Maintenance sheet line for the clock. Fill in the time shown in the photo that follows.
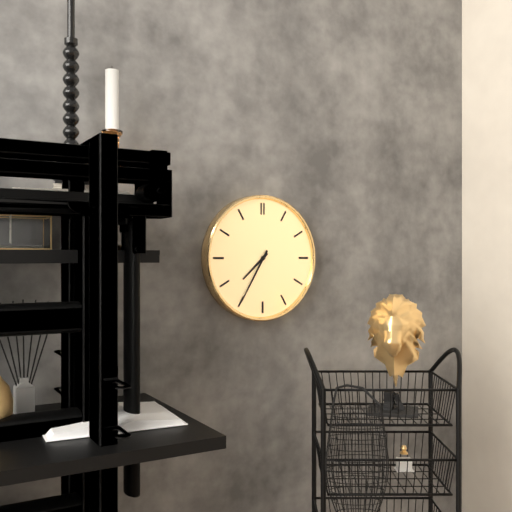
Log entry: 7:35
